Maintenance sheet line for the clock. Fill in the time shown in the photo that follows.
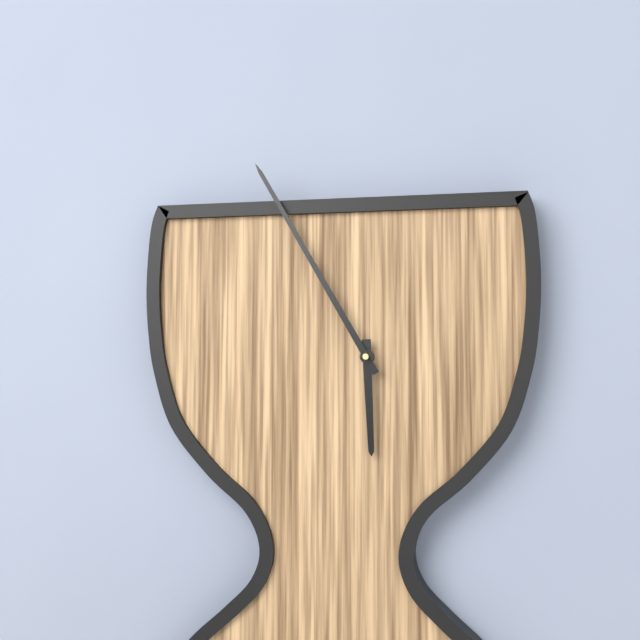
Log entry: 5:55
